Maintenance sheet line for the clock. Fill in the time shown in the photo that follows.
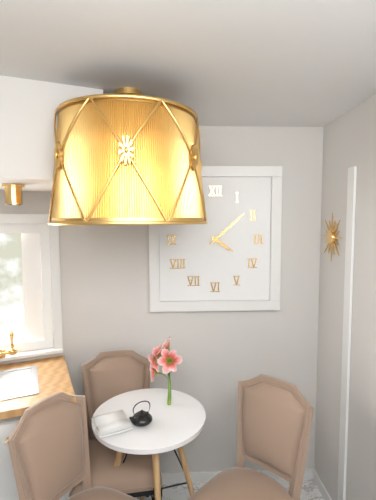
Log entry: 4:08
